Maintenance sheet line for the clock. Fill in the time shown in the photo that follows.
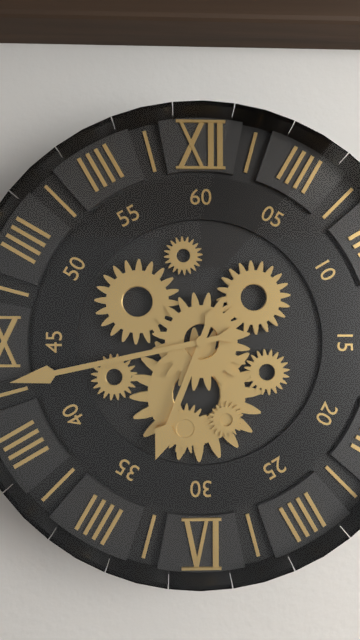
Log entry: 6:43
